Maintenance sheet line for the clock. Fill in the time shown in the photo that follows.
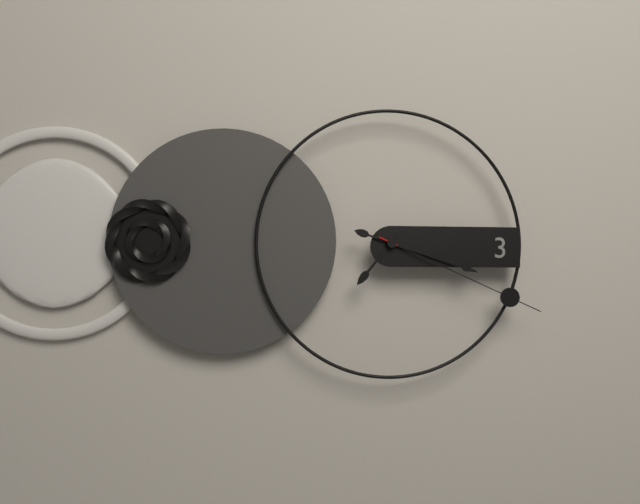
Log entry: 7:18:19
